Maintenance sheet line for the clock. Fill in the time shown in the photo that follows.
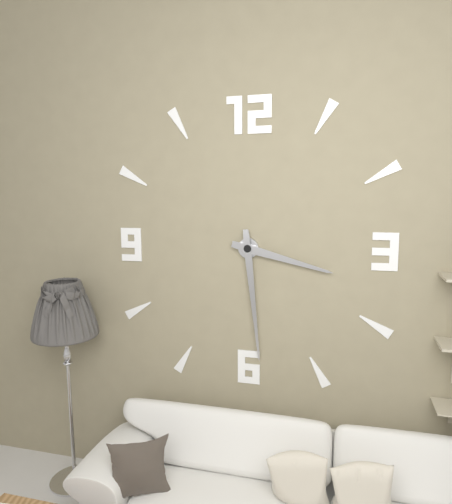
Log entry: 3:29
